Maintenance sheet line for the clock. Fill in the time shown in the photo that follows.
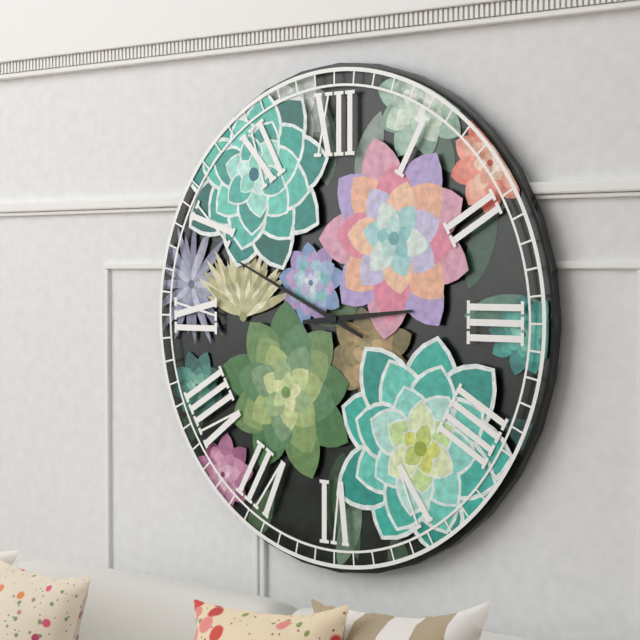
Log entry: 2:49
